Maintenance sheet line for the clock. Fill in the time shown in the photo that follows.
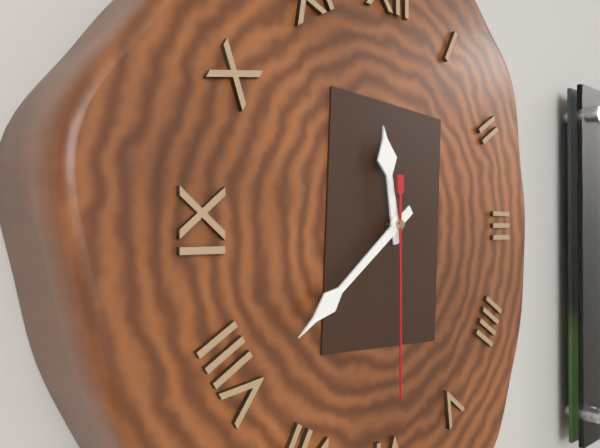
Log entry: 11:39:30
